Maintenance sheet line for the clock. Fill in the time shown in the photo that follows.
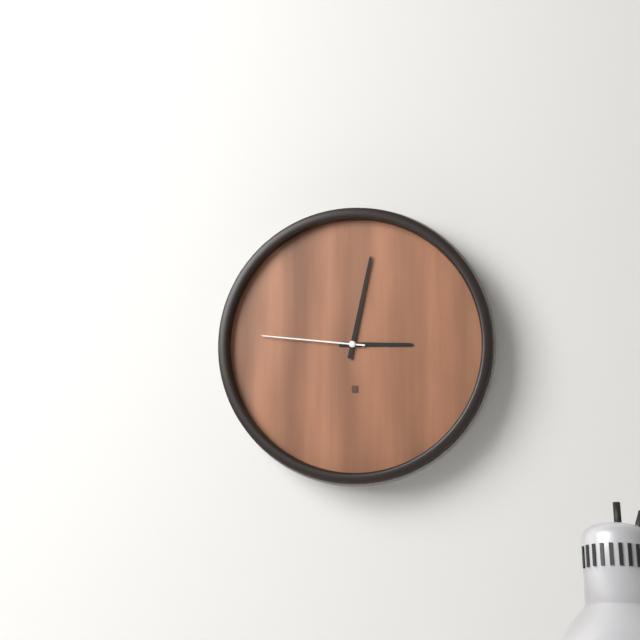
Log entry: 3:02:46
